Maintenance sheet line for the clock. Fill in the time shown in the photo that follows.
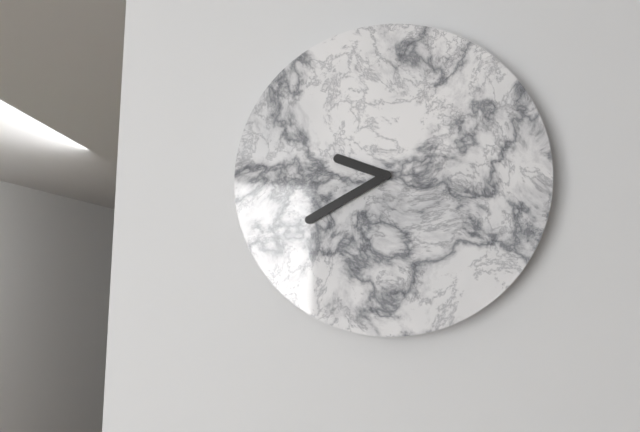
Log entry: 9:40
